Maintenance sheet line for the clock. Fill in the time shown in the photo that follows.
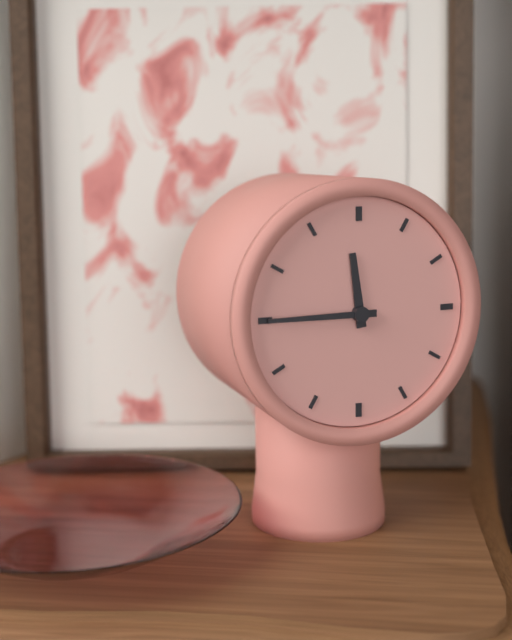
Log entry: 11:45
